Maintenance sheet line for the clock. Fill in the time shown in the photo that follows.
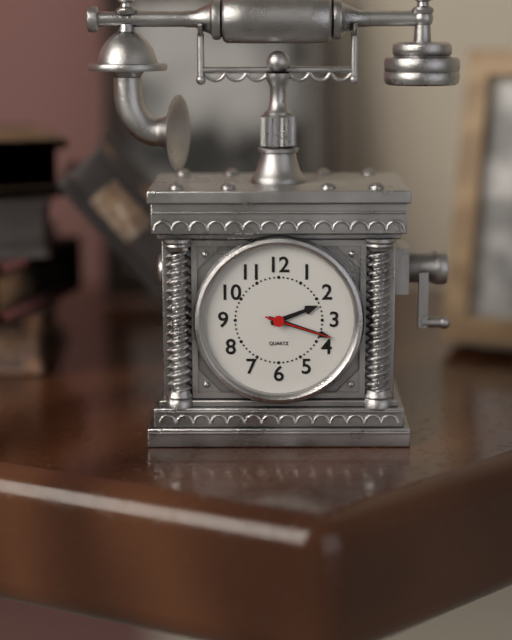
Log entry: 2:18:18
